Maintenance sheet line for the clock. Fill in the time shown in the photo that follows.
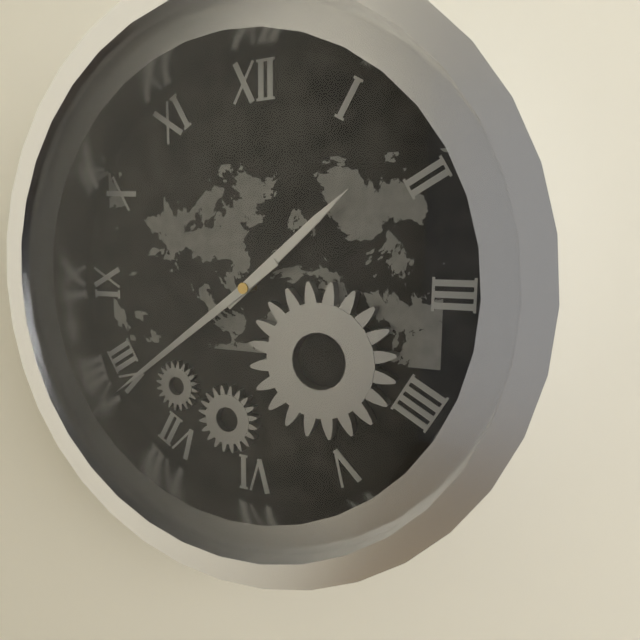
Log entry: 1:39
